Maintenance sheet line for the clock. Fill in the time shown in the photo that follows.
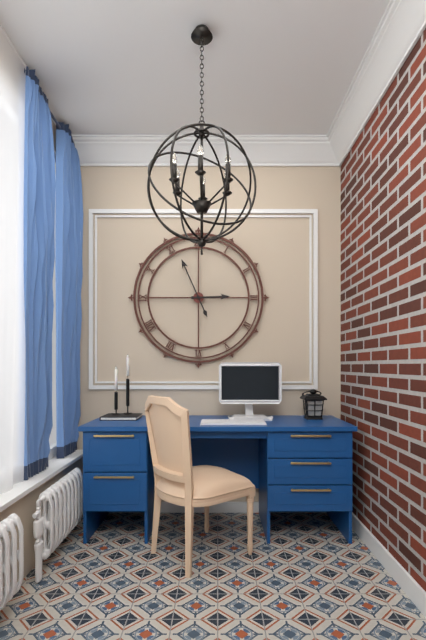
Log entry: 2:56
